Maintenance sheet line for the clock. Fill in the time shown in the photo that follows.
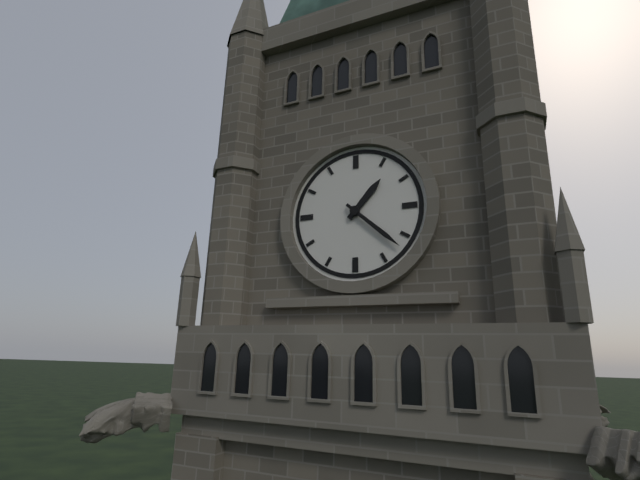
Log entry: 1:22
